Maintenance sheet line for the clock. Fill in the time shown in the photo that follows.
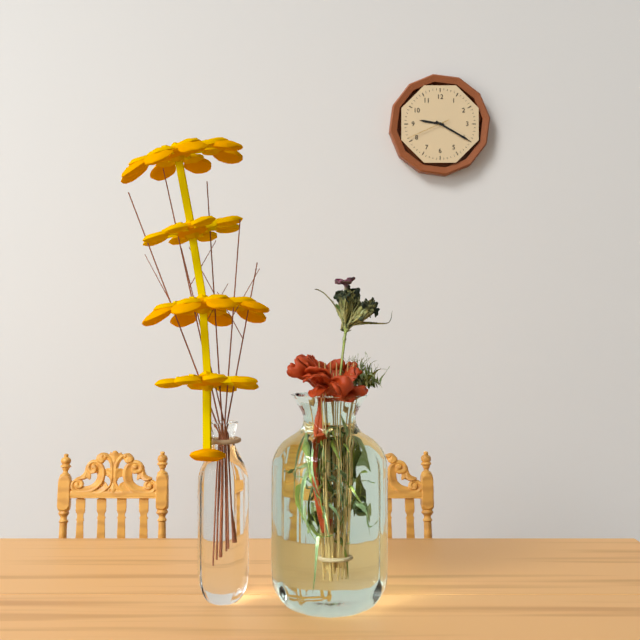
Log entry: 9:20
